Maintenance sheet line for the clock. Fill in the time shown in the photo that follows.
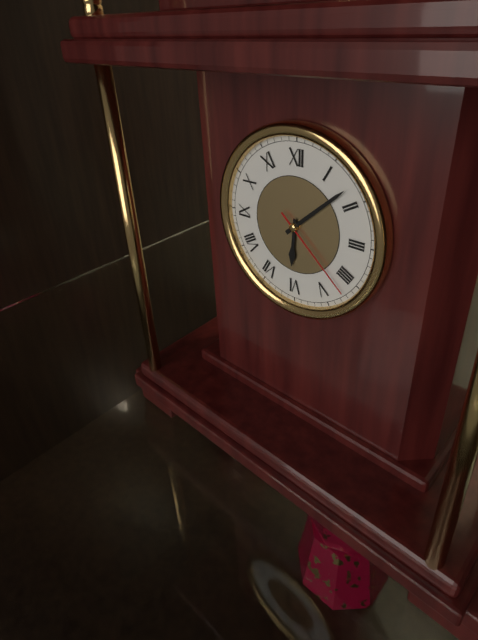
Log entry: 6:08:22
